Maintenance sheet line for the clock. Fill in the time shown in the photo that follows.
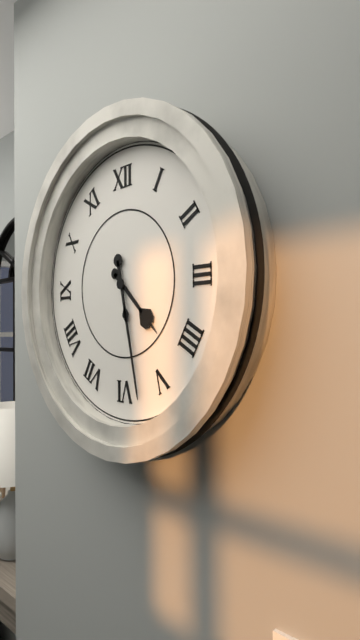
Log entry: 4:28
